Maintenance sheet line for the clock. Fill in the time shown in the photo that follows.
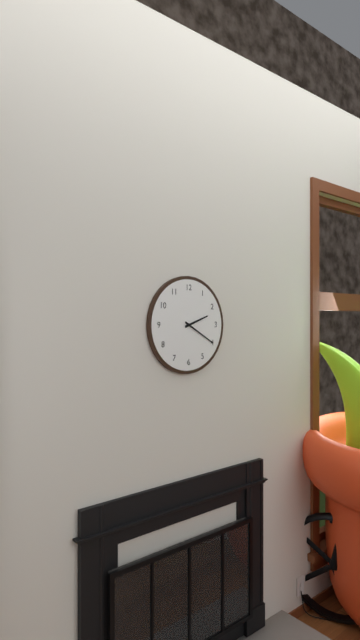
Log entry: 2:20
